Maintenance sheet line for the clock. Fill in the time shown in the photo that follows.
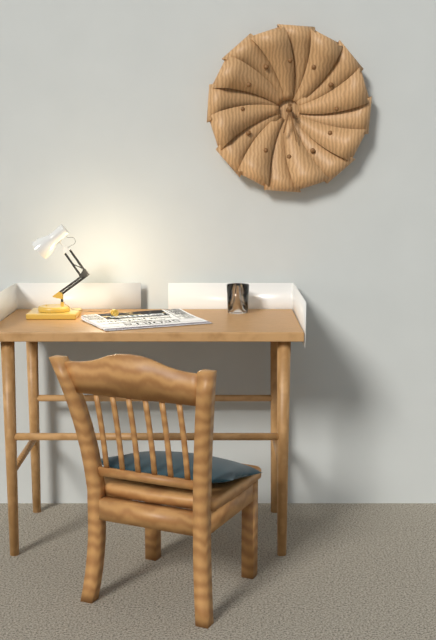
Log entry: 6:28
